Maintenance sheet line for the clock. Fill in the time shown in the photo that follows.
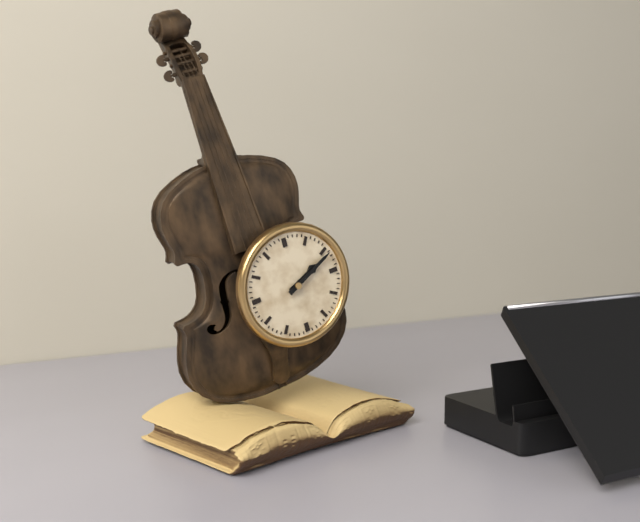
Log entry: 2:11
